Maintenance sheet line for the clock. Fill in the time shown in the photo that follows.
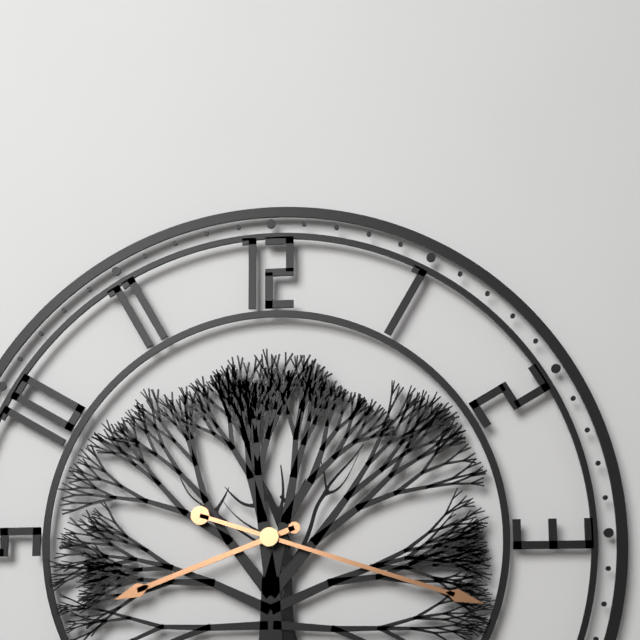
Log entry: 8:18
